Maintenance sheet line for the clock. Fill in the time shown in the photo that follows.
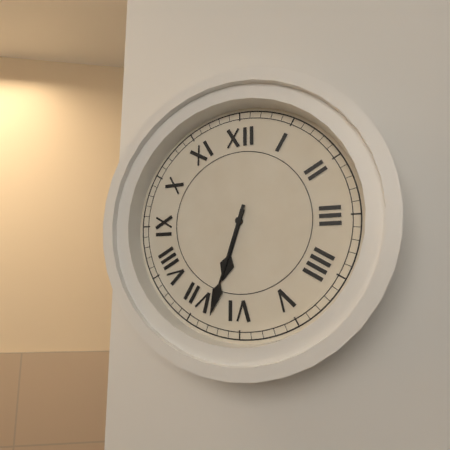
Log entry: 6:33
